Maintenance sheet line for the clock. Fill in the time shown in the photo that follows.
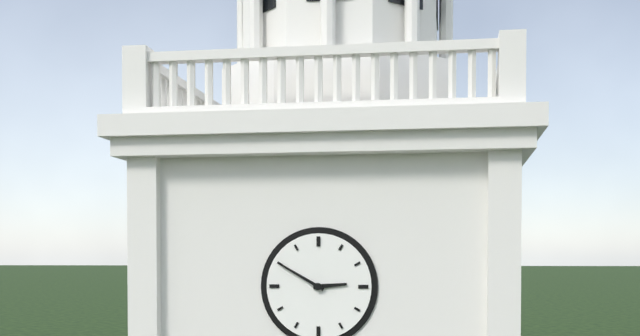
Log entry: 2:50
